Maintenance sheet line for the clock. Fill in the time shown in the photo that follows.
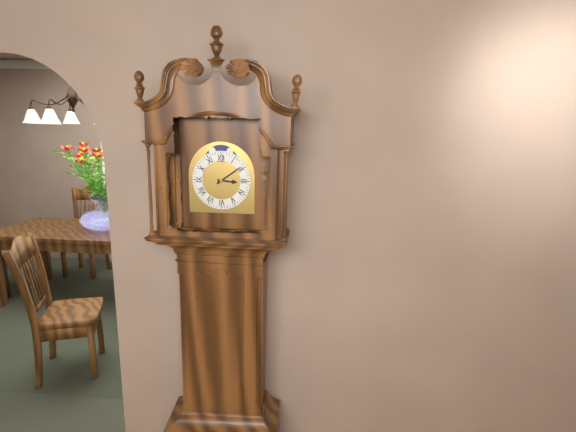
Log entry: 3:09
